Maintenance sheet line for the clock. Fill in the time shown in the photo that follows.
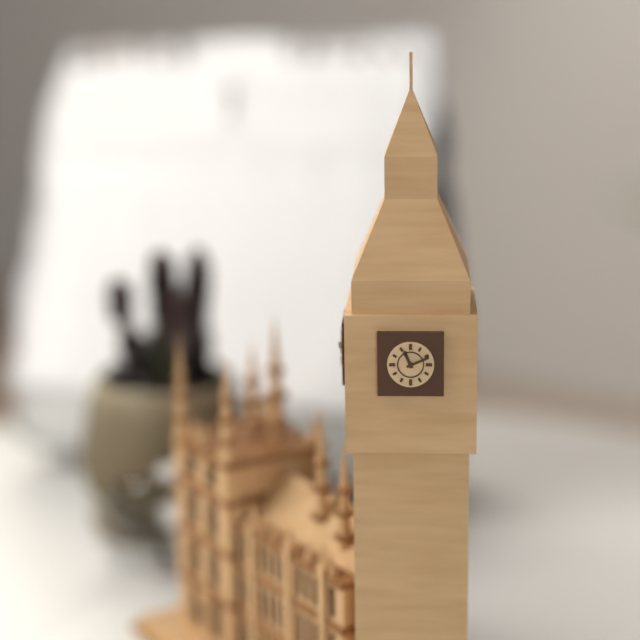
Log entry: 11:11
